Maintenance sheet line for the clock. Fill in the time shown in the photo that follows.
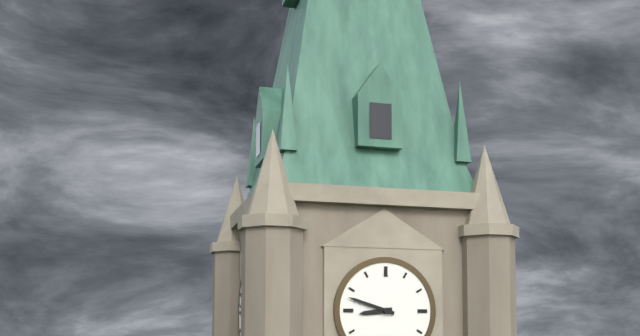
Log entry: 8:48
